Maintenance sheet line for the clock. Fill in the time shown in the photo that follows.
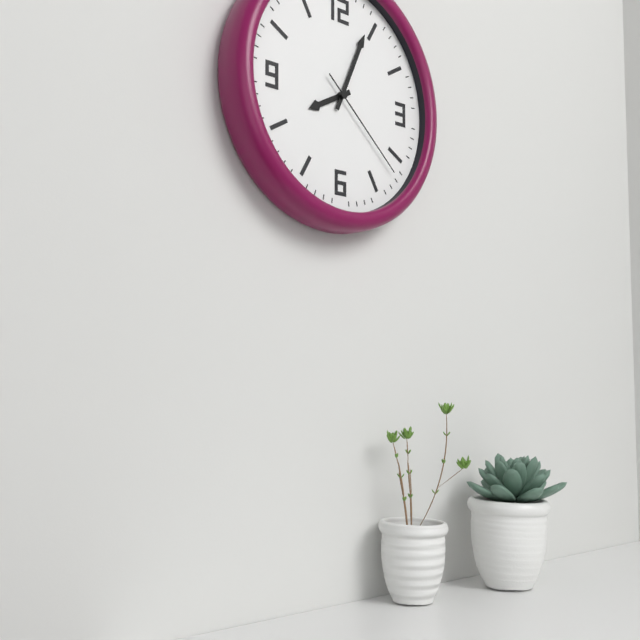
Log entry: 8:04:22
